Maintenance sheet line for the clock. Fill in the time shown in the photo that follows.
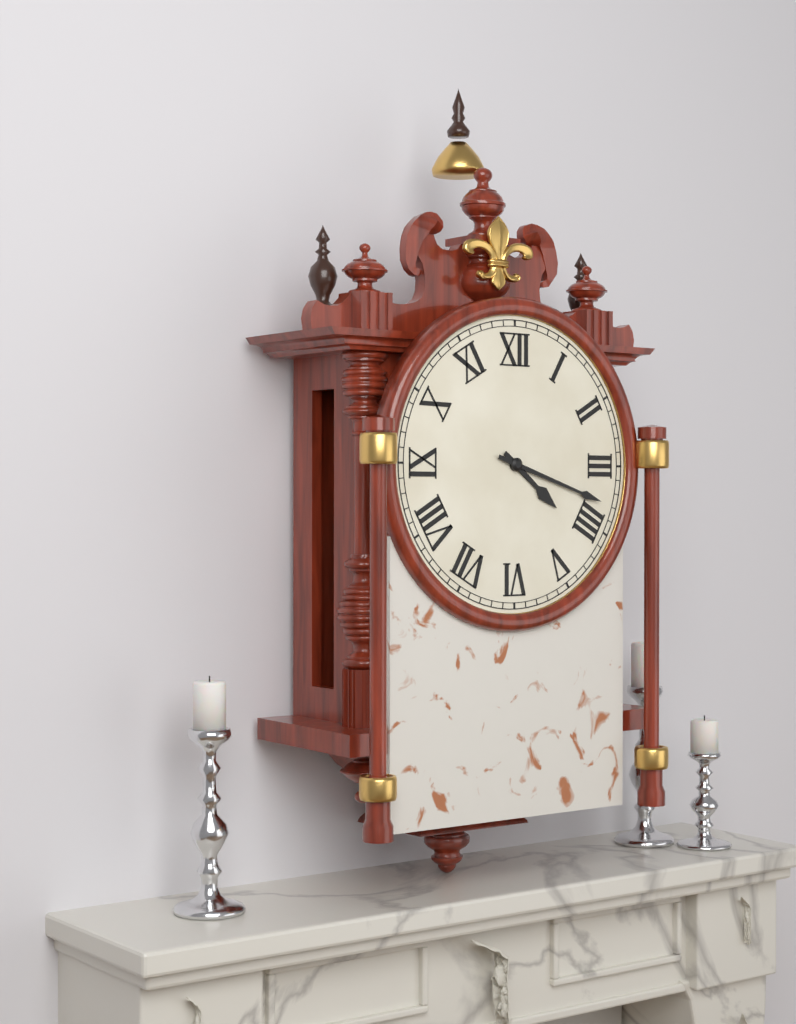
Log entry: 4:18
